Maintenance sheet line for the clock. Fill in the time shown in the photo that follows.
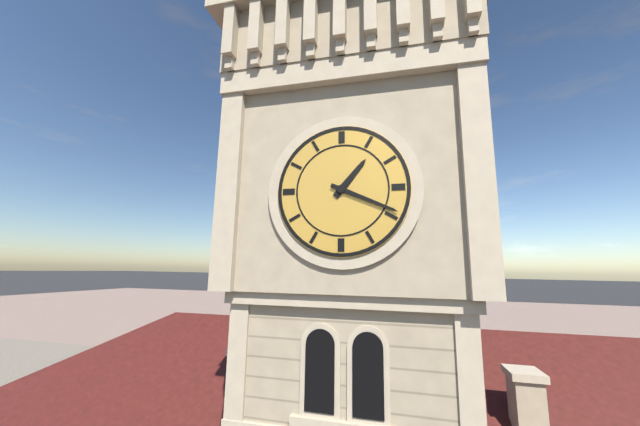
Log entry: 1:19
